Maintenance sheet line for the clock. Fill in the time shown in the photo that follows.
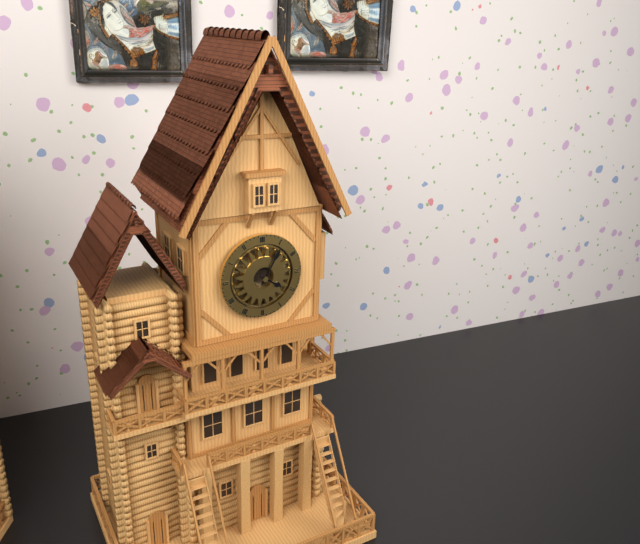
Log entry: 4:05
